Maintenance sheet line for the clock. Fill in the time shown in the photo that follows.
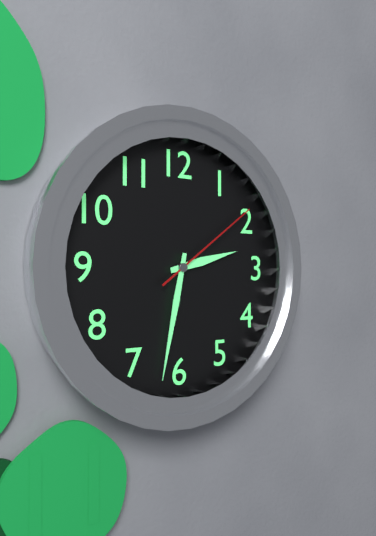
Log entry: 2:32:09
